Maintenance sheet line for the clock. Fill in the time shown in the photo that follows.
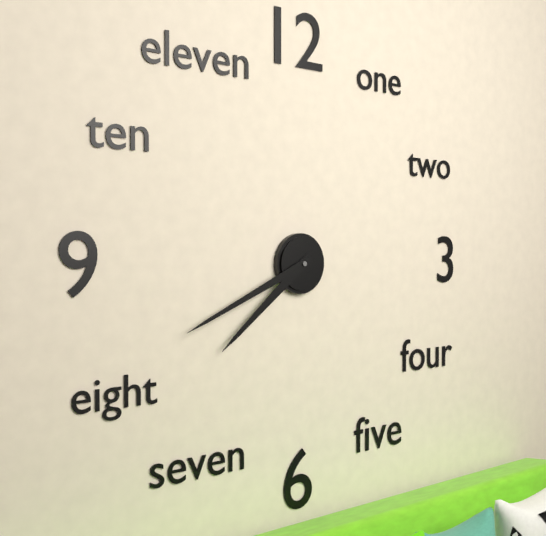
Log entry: 7:41
